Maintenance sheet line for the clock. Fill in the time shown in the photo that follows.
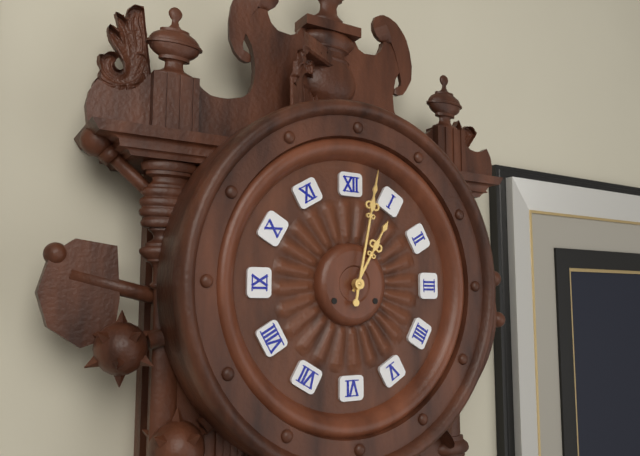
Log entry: 1:02
